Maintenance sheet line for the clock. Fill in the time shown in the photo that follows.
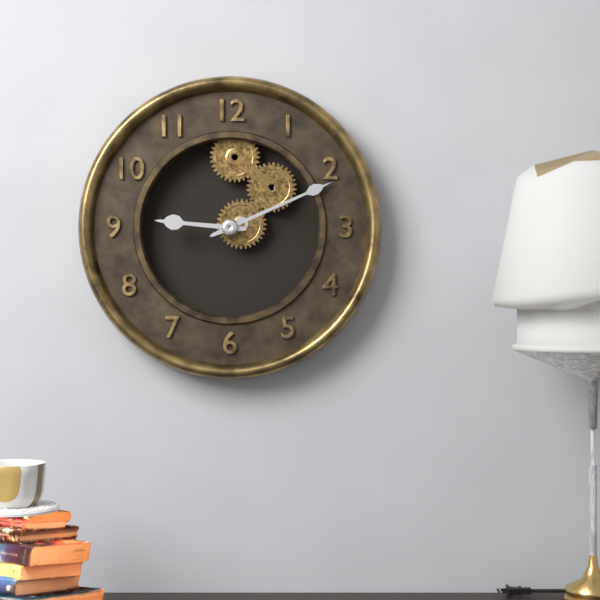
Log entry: 9:11
